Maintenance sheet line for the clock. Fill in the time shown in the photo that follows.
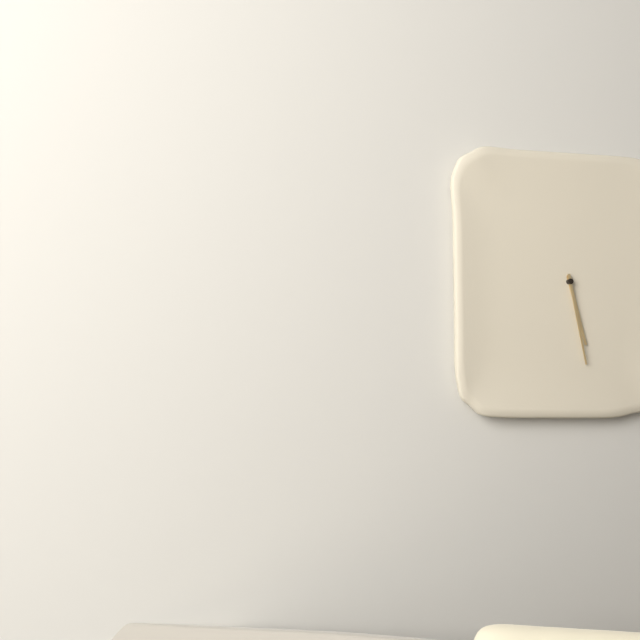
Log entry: 5:28
